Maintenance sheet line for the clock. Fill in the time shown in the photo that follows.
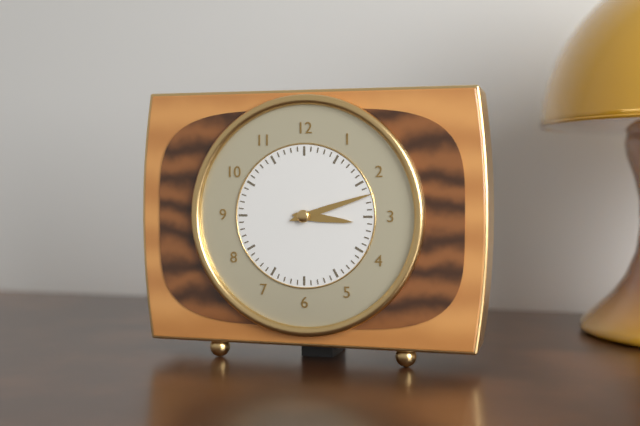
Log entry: 3:12
